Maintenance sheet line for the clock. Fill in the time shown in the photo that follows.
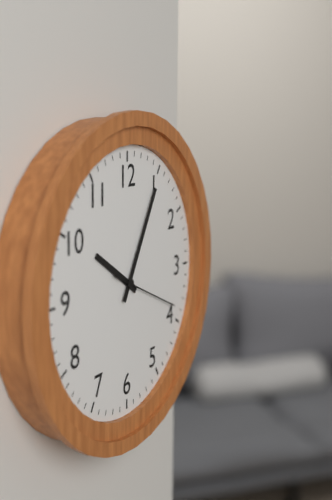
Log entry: 10:05:19
